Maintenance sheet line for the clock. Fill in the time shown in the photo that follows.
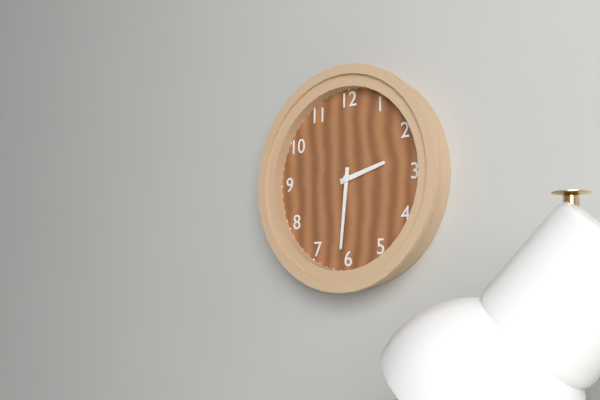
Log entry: 2:31
